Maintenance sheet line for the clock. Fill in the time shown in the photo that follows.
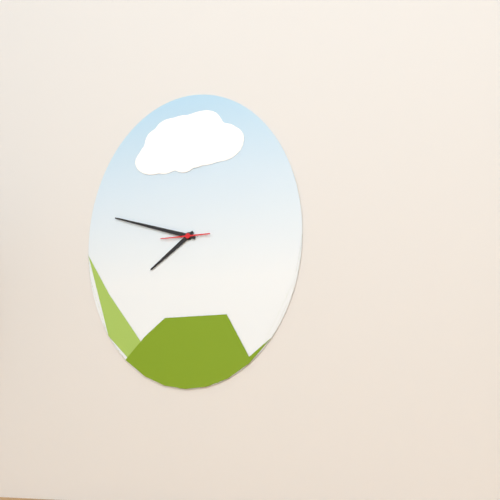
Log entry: 7:48
